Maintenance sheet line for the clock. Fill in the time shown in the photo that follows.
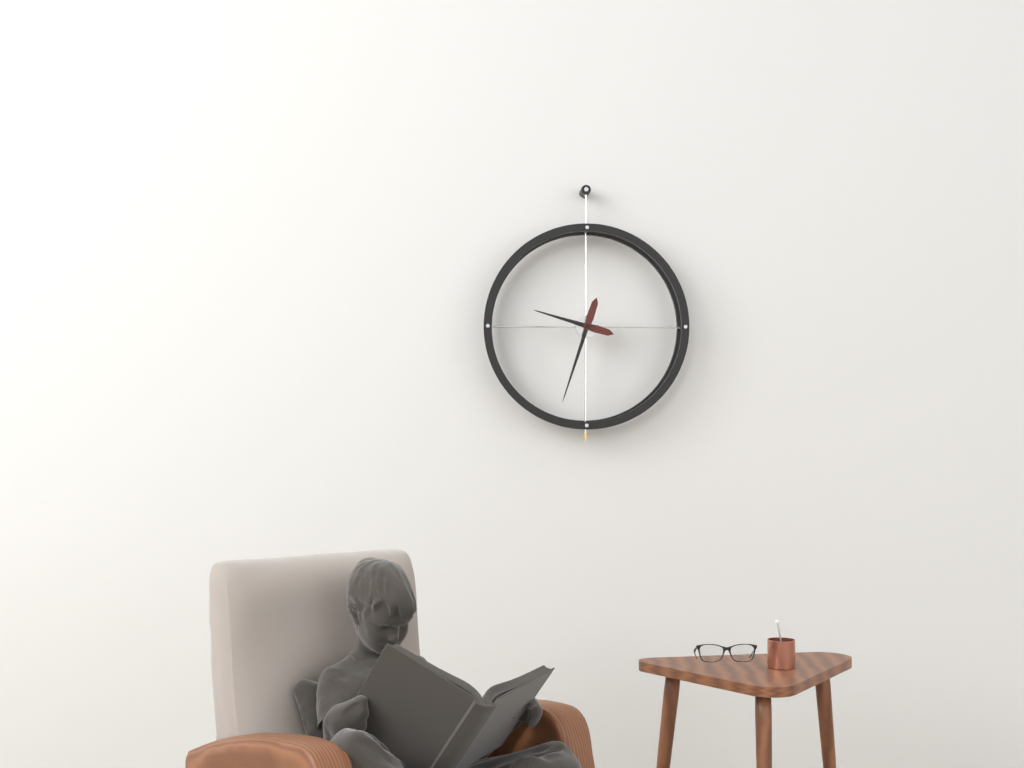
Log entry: 9:33
